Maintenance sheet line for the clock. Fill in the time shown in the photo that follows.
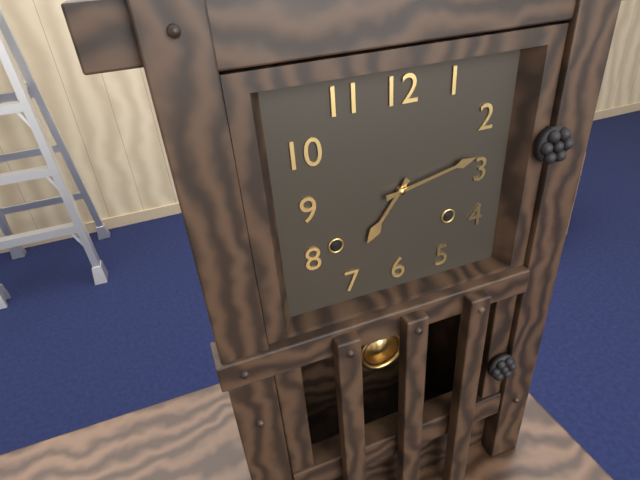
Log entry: 7:13
